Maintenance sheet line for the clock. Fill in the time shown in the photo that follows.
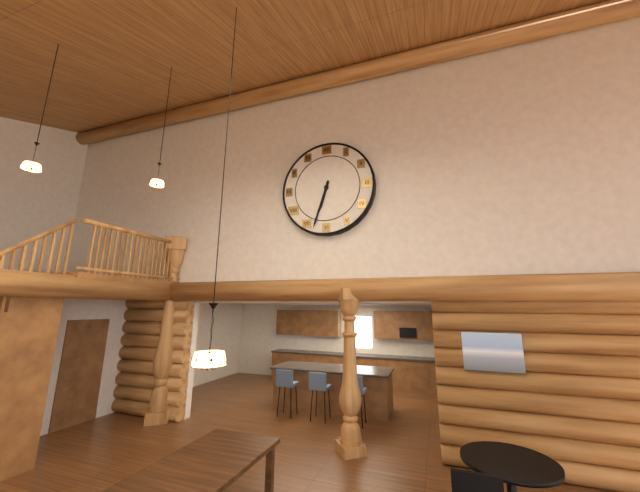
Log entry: 6:33
